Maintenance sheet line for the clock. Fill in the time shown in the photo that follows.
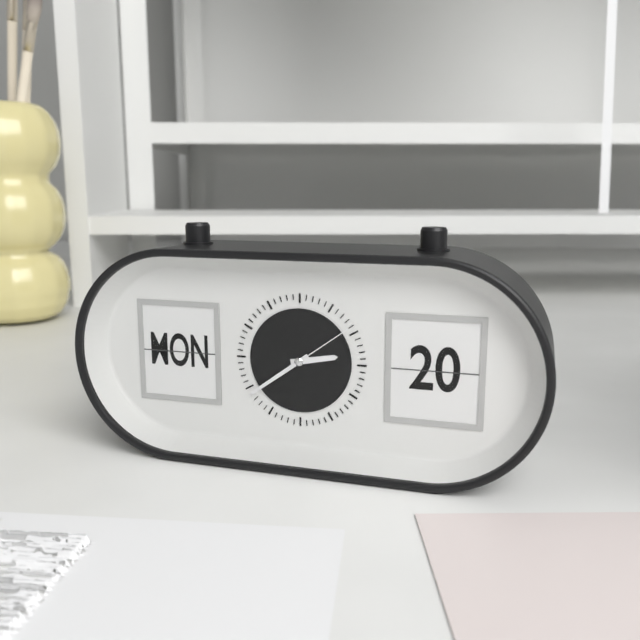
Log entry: 2:39:09
